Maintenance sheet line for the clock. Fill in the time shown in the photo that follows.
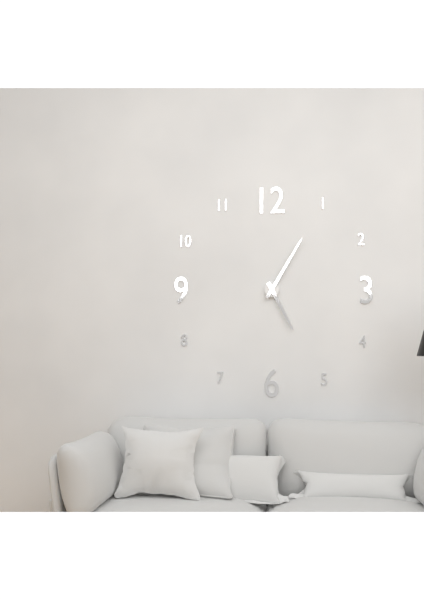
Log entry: 5:05
